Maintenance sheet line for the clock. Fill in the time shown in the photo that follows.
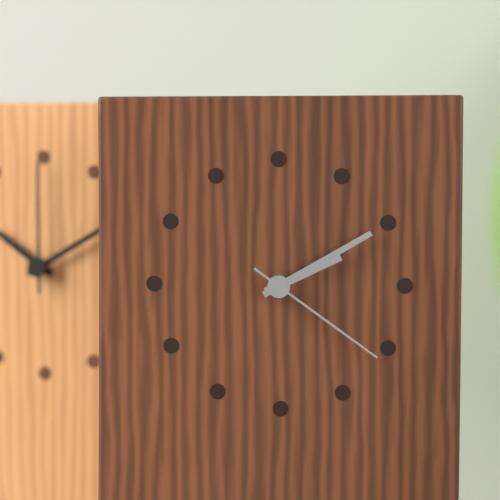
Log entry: 2:10:21
